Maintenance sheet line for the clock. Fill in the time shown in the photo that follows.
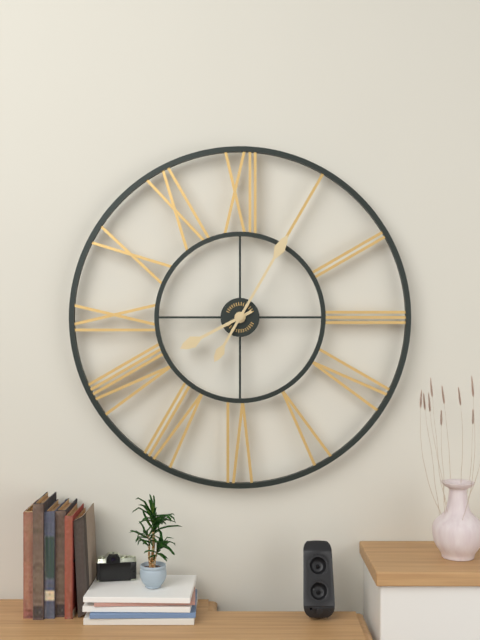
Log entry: 8:05
